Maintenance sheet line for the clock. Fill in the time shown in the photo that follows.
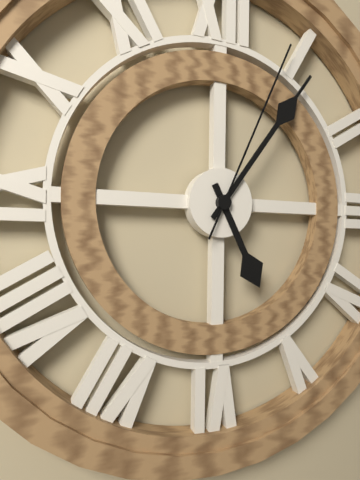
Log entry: 5:06:04
